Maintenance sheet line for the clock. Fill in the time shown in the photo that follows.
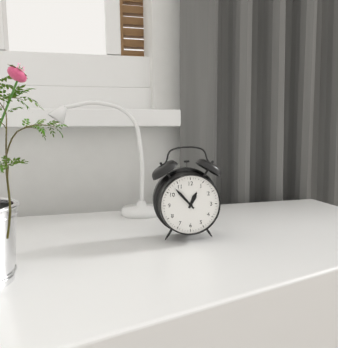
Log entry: 12:53
